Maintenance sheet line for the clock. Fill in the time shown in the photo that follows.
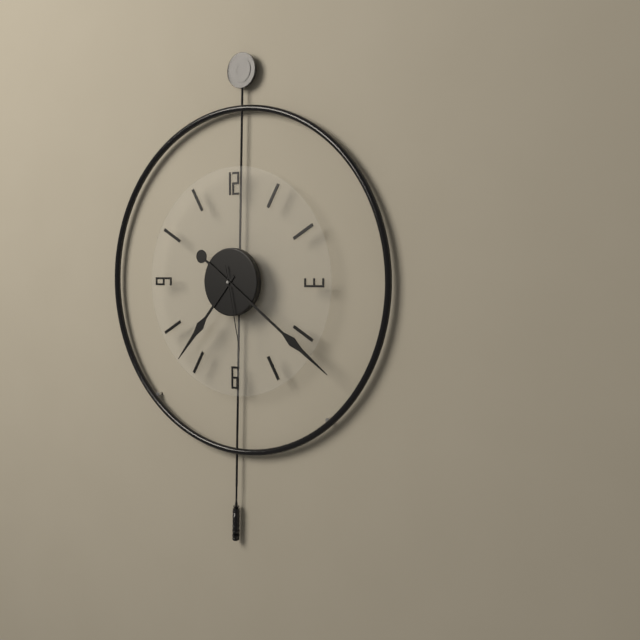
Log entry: 7:21:28
